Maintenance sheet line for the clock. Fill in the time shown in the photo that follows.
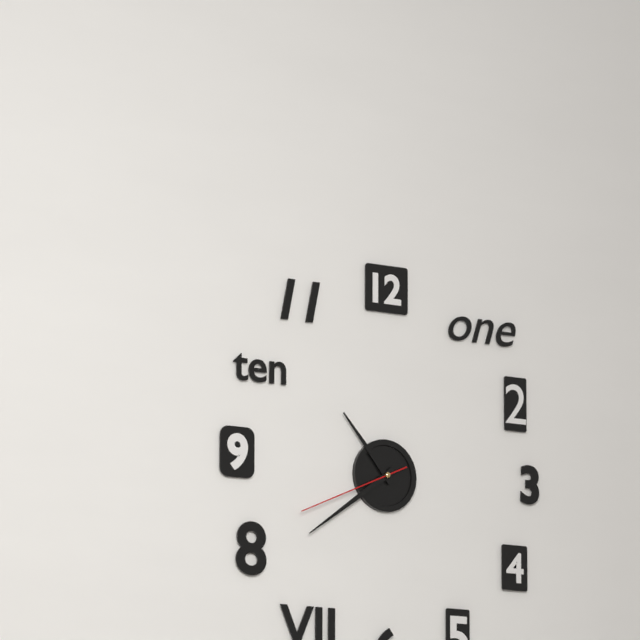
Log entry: 10:39:41
